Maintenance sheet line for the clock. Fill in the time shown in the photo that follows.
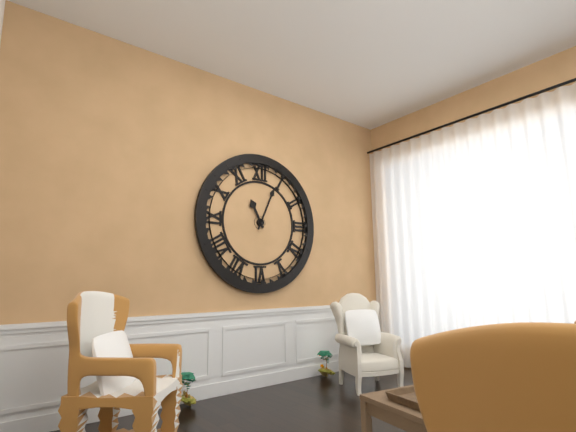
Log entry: 11:04
